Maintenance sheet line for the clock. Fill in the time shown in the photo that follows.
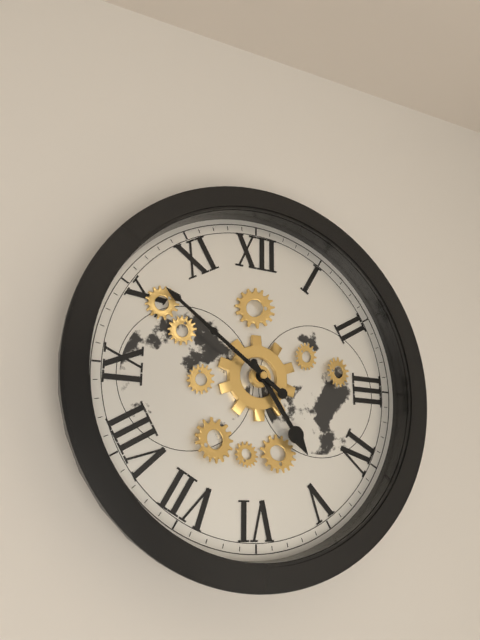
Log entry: 4:51
